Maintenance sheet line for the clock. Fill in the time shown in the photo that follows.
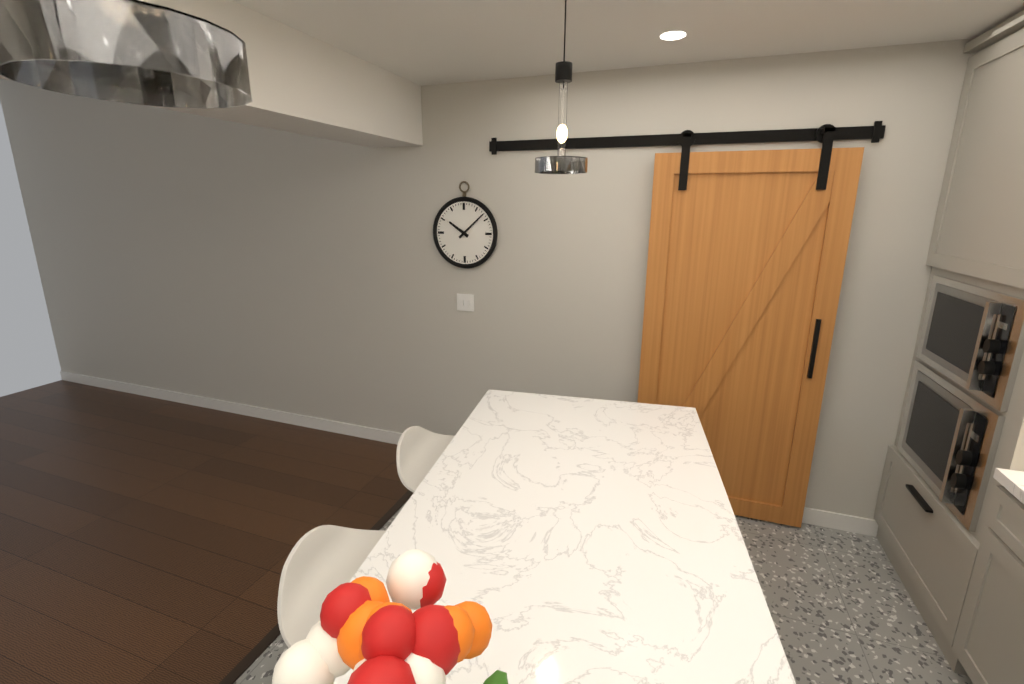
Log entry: 10:08
